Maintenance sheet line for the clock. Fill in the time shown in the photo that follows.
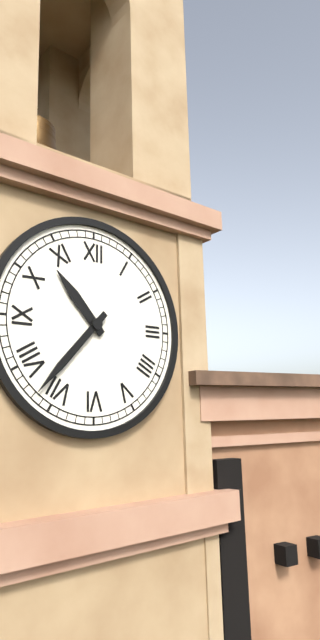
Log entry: 10:37
